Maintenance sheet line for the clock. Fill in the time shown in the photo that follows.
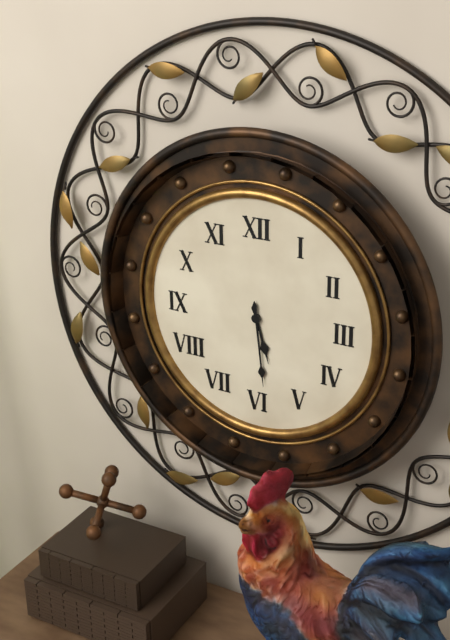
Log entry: 5:29
